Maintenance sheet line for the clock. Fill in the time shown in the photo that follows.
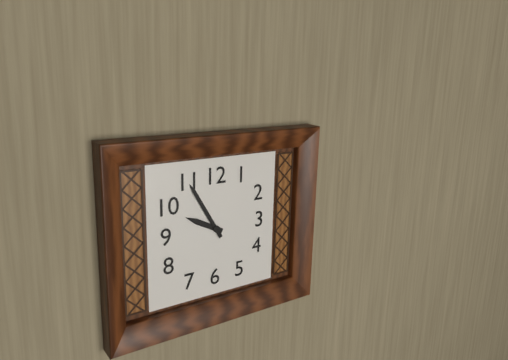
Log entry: 9:55
